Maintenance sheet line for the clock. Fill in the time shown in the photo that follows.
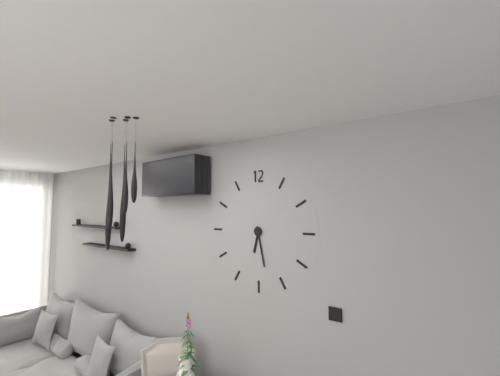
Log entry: 6:28
